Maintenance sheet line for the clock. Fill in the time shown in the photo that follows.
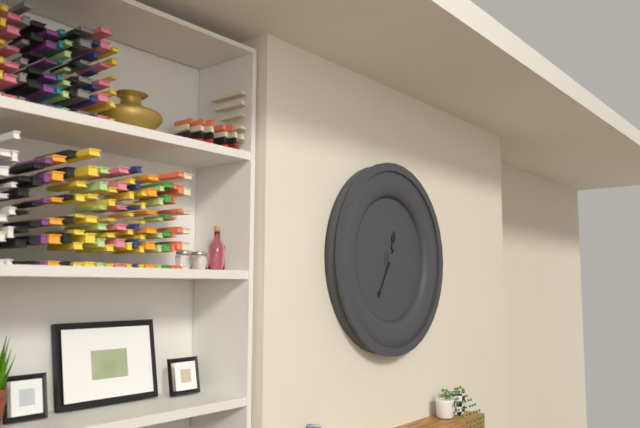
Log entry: 12:35
